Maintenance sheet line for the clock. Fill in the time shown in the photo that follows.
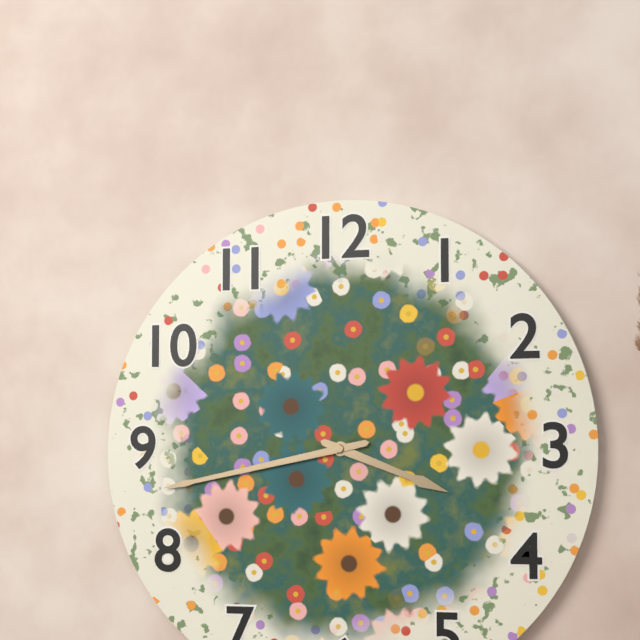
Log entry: 3:43
